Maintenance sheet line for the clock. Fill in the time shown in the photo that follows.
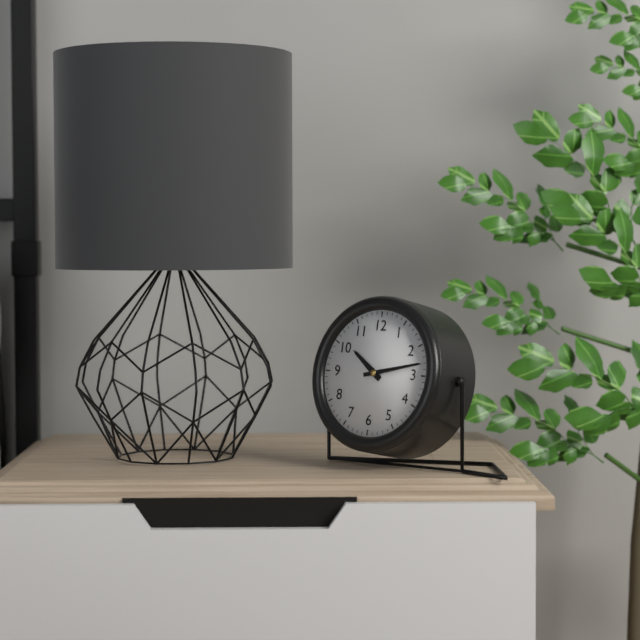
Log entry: 10:13
